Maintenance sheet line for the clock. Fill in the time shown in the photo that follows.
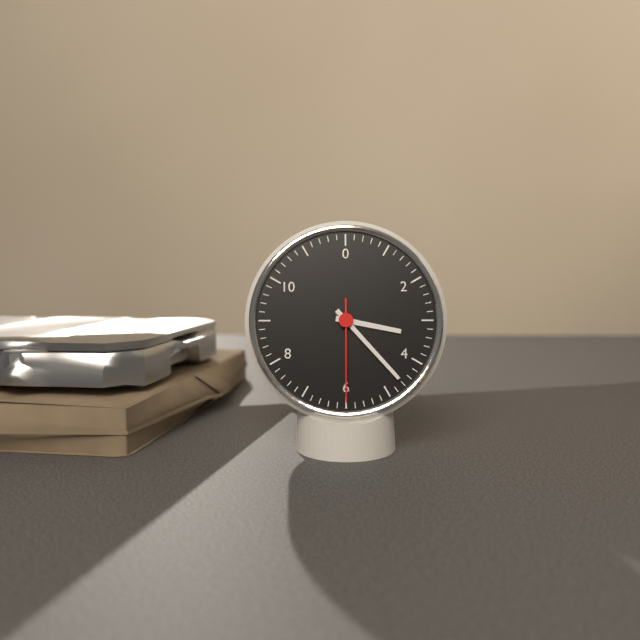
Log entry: 3:23:30
